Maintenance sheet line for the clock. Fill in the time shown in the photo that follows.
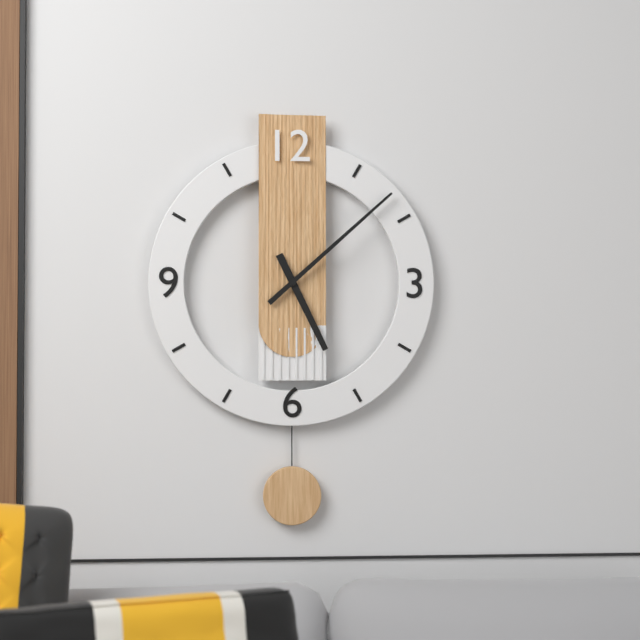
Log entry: 5:08
